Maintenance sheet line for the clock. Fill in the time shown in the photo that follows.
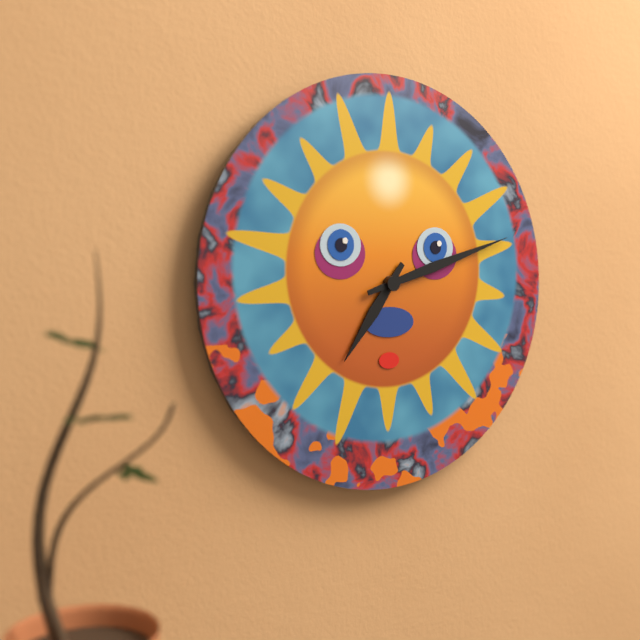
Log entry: 7:12
